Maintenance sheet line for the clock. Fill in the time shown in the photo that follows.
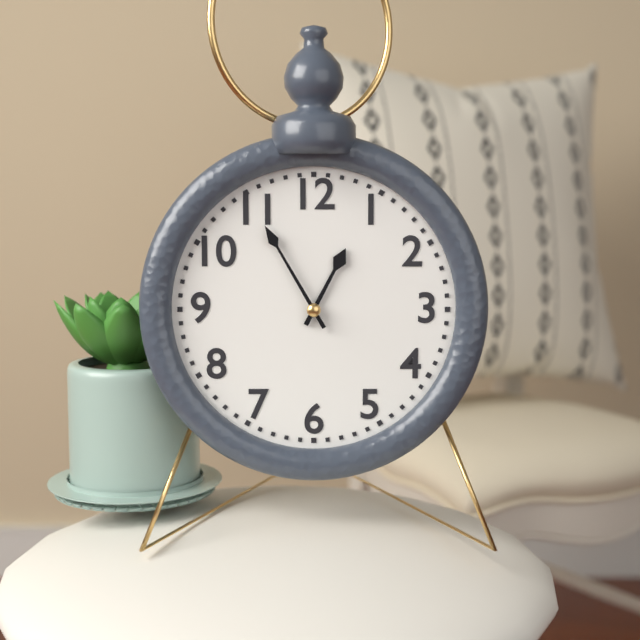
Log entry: 12:55
